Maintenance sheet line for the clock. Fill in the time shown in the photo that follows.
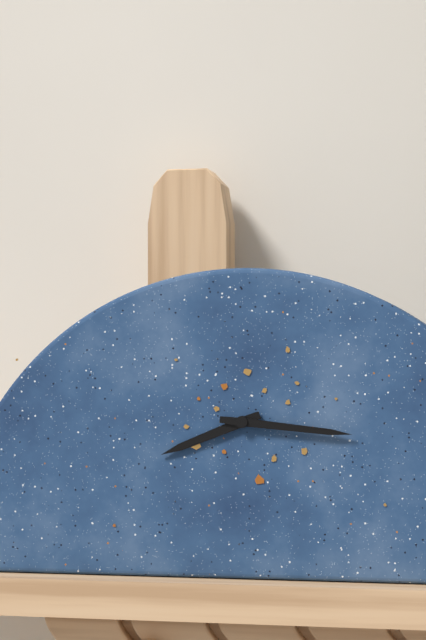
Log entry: 8:16
